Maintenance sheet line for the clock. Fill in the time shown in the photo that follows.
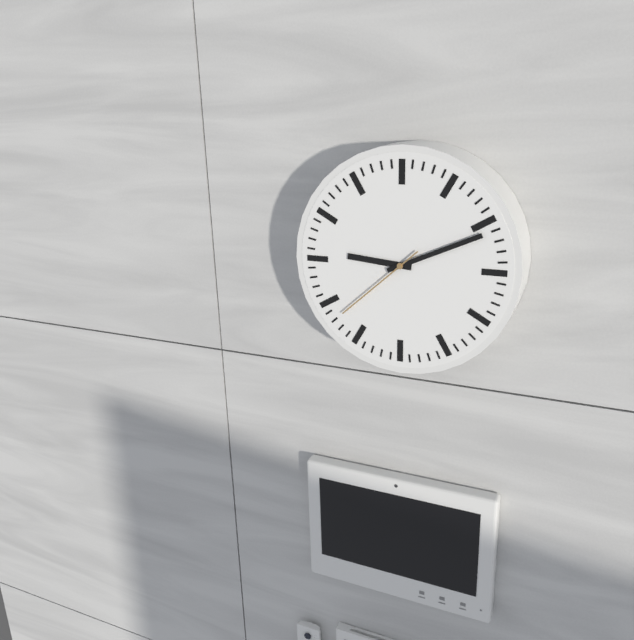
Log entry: 9:11:38
